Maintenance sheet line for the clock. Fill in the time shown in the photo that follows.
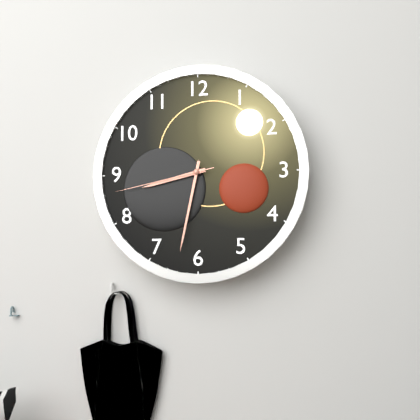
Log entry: 8:32:43
